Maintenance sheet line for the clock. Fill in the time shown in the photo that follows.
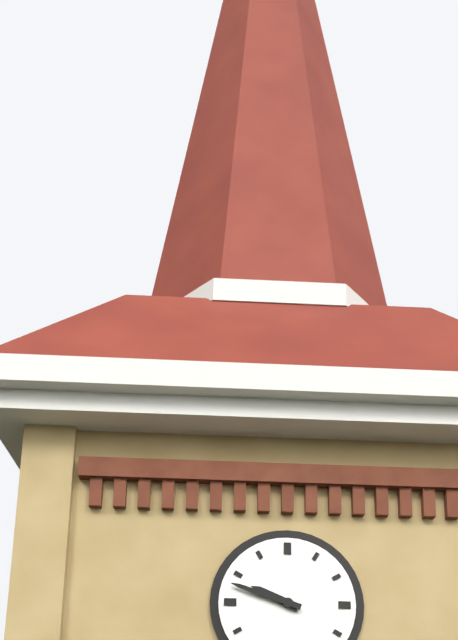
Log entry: 9:48
